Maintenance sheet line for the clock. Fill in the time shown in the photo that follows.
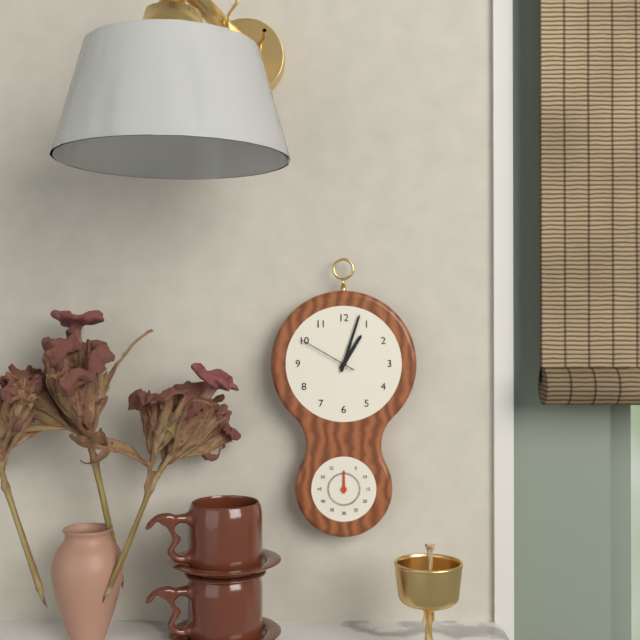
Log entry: 1:03:50
